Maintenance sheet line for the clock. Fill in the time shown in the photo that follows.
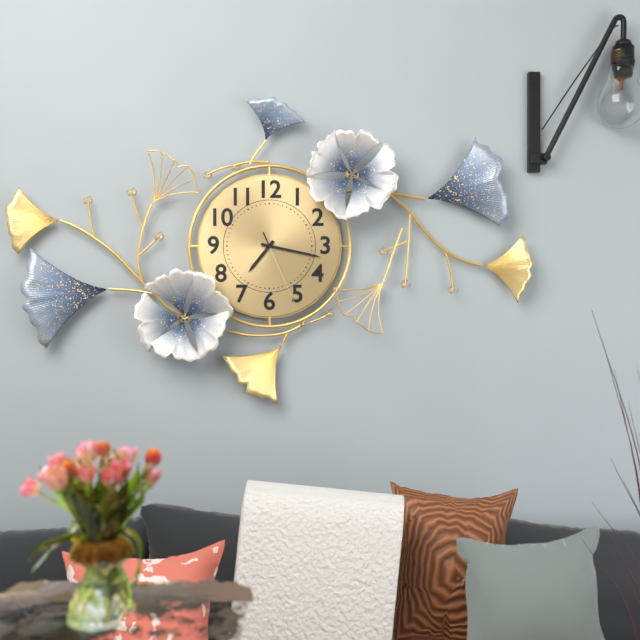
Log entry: 7:17:26
